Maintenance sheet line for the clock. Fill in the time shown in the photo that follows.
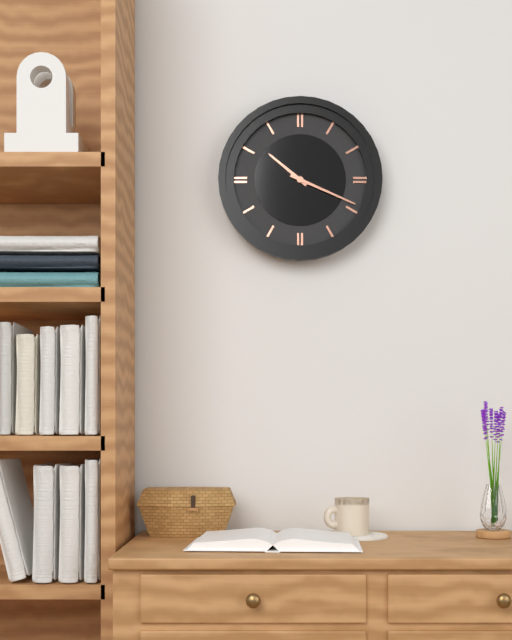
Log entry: 10:19
